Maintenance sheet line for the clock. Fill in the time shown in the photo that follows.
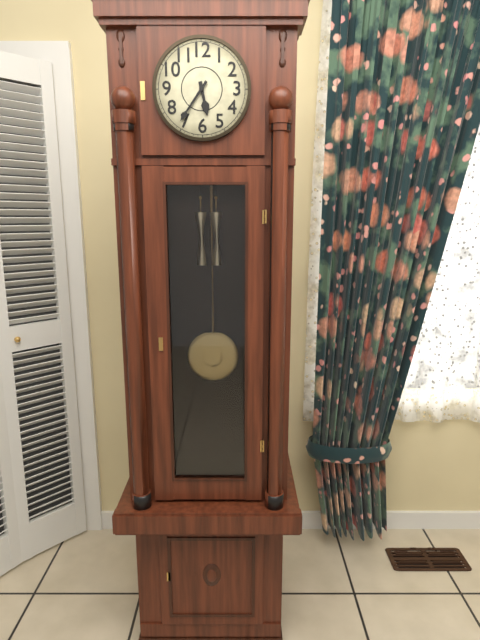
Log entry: 5:36
